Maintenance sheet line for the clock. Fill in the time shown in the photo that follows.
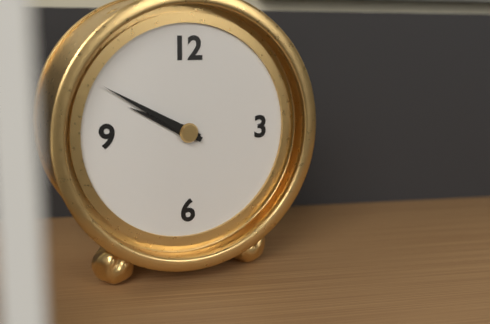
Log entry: 9:50
